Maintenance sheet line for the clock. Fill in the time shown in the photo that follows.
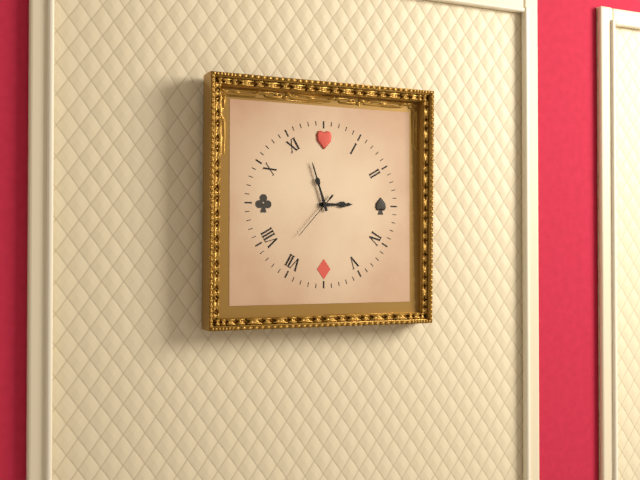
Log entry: 2:57:37
